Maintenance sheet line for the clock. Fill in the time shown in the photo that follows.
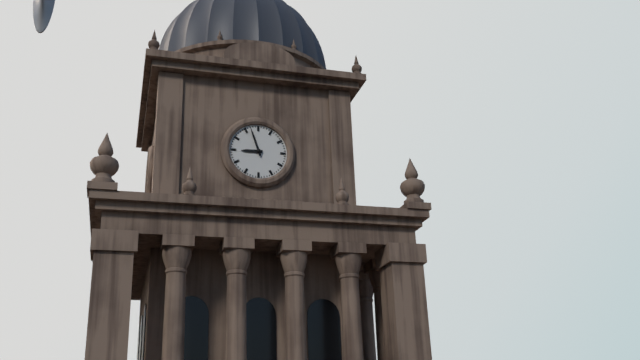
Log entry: 8:57
